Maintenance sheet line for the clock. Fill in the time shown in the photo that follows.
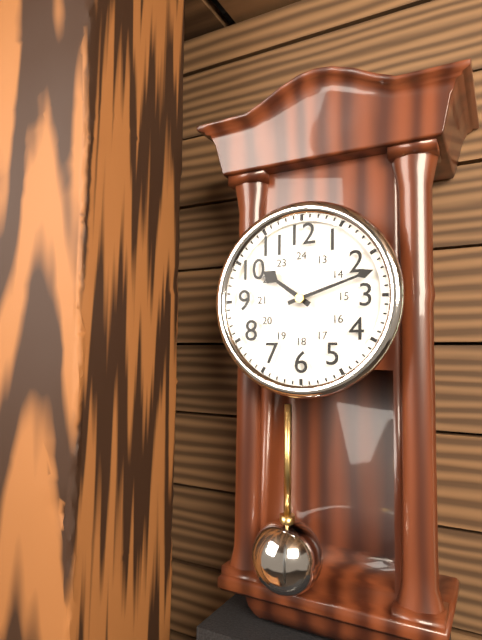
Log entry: 10:12
